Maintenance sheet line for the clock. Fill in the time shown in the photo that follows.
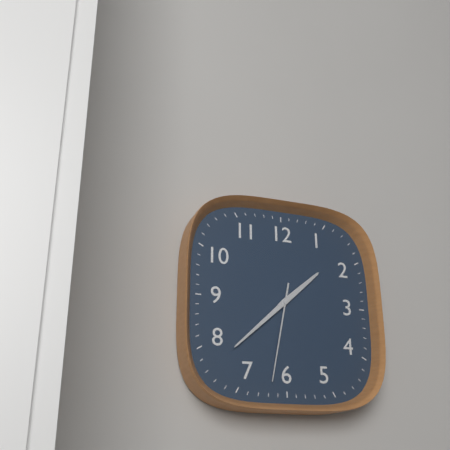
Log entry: 1:38:32
